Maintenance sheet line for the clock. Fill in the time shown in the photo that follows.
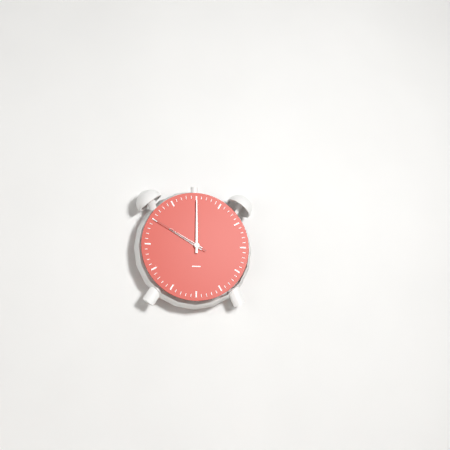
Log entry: 10:00:50
